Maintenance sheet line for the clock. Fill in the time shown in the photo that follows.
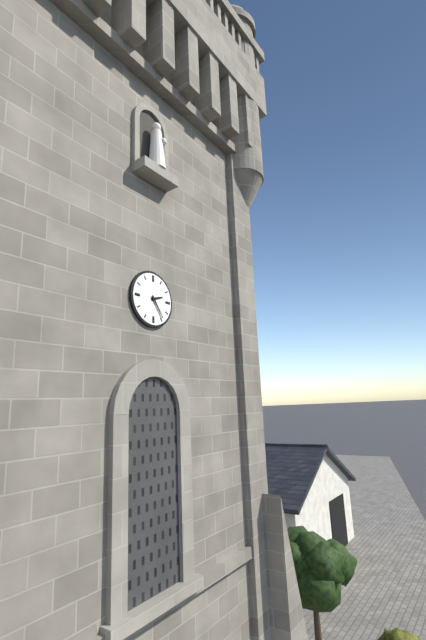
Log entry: 2:24
